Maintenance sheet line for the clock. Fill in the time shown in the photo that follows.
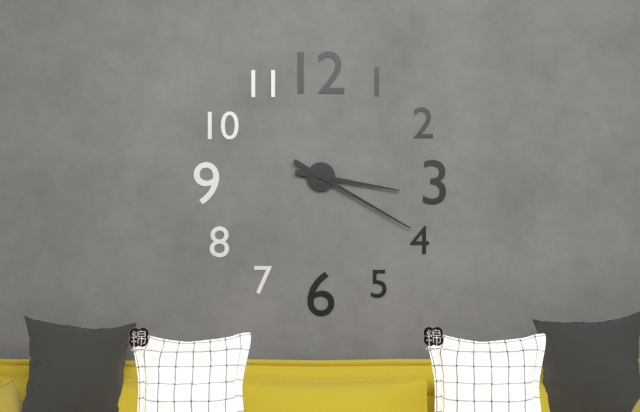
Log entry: 3:20
